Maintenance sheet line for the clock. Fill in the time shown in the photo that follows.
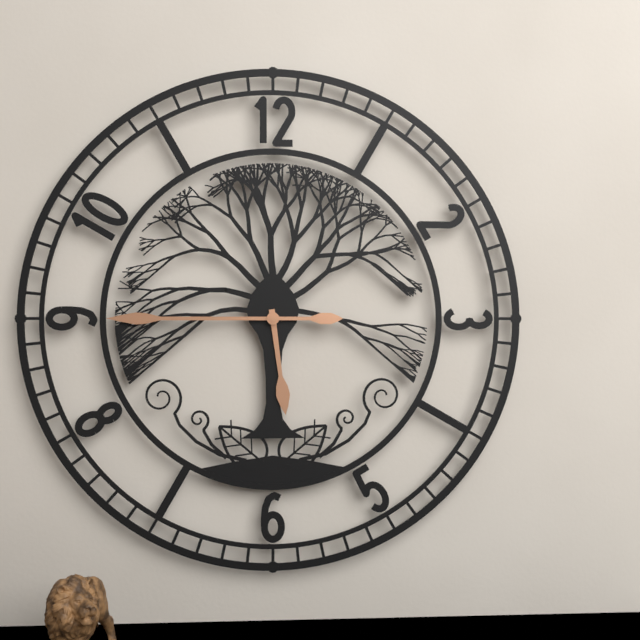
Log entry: 5:45
